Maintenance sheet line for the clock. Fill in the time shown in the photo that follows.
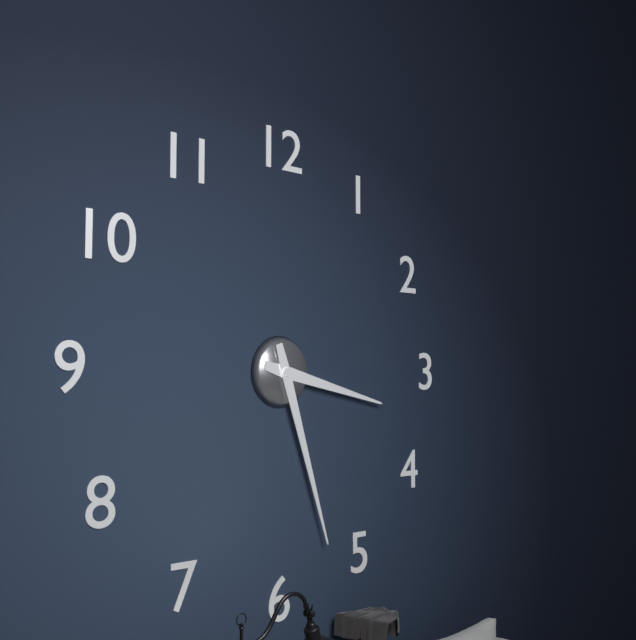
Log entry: 3:27
